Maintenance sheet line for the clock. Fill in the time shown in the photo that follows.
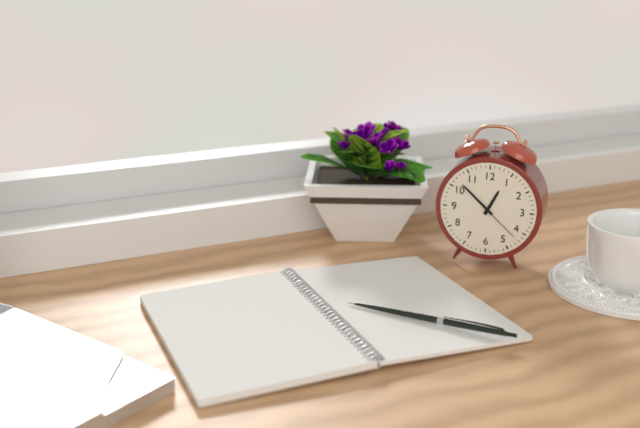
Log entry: 12:52:22
